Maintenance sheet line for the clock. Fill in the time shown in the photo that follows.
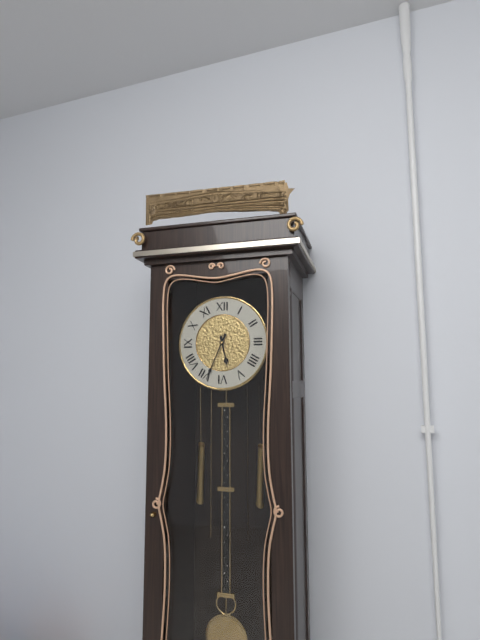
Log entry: 5:34
